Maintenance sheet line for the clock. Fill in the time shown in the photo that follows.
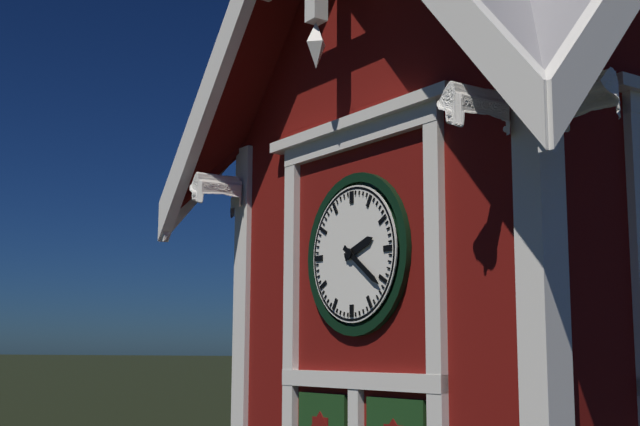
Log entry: 2:21
